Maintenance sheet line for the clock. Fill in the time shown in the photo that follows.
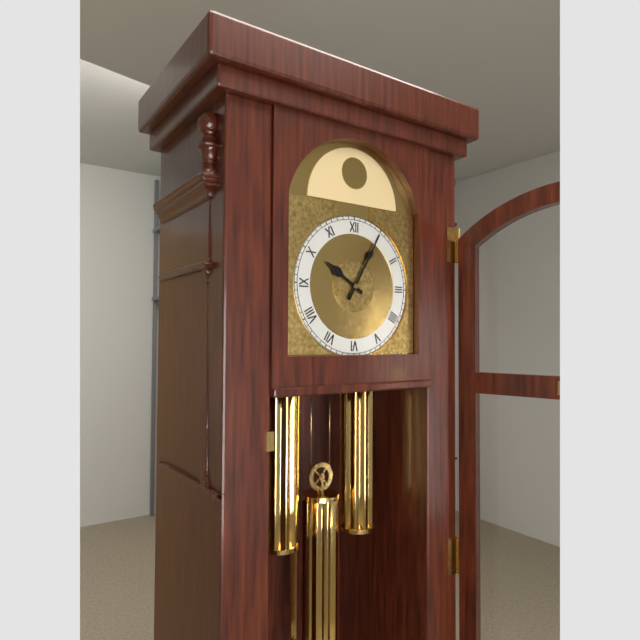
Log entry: 10:05
